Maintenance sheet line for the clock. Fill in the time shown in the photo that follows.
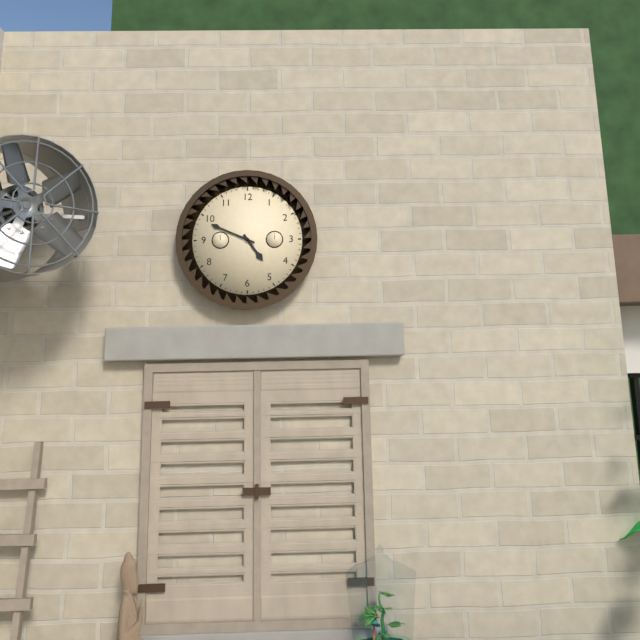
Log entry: 4:49
